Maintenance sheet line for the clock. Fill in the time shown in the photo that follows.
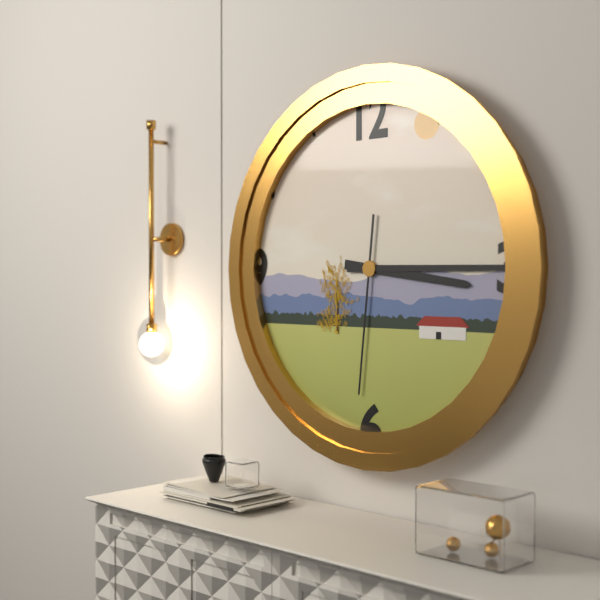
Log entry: 3:15:31
